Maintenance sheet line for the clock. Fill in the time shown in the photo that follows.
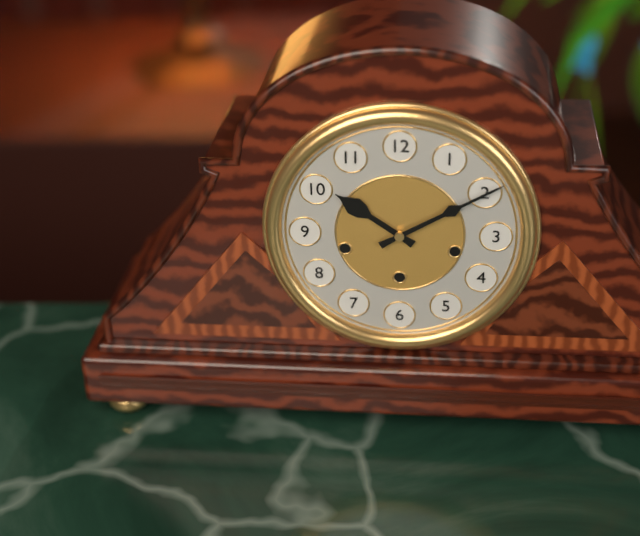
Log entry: 10:10
